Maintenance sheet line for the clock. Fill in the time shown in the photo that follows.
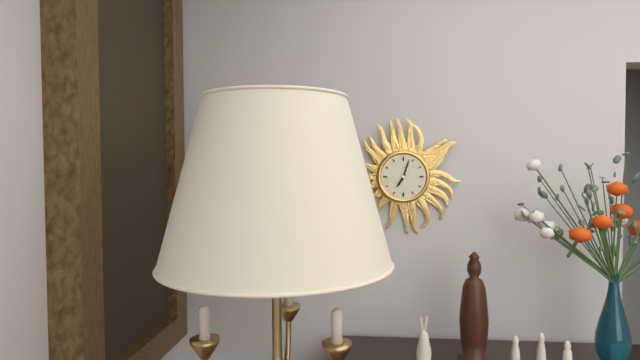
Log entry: 7:03
